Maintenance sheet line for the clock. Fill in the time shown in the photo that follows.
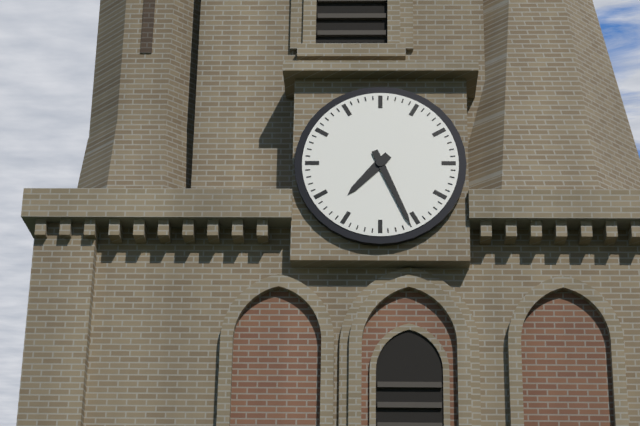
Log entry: 7:26
